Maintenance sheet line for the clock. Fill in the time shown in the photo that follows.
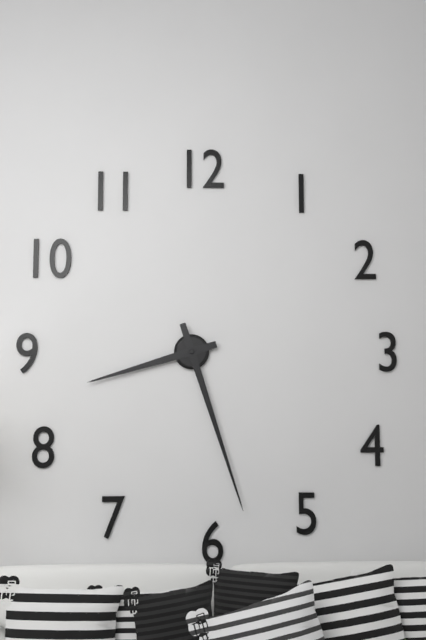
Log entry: 8:27
